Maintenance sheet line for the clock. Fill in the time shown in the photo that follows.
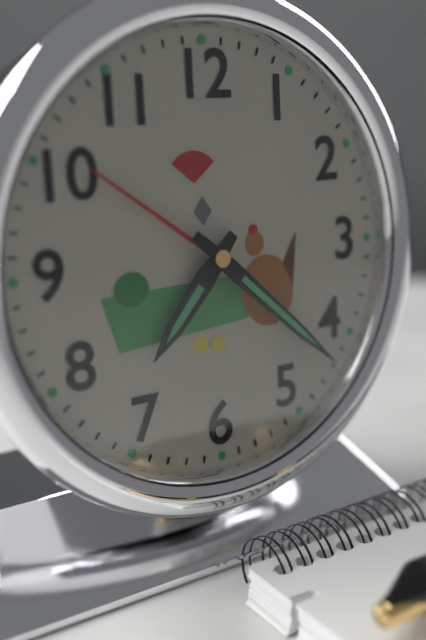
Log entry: 7:22
